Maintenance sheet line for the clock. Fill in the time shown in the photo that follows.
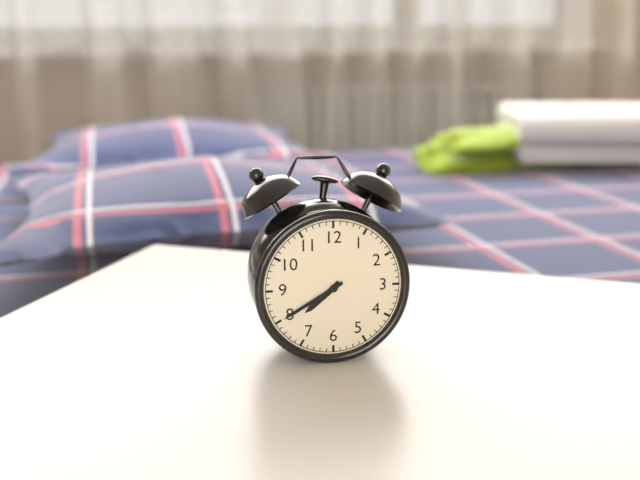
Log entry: 7:40
